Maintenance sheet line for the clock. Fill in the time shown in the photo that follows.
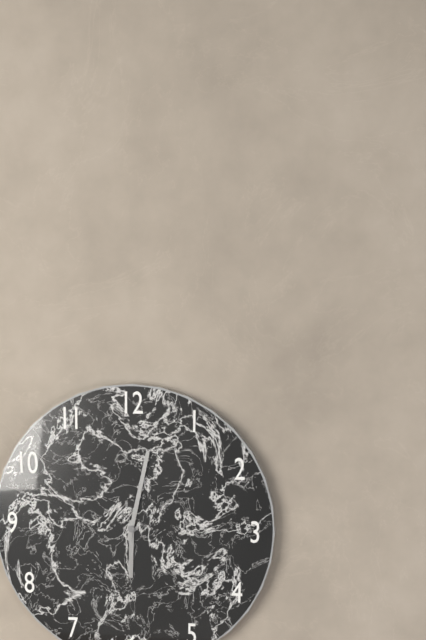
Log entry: 6:02
